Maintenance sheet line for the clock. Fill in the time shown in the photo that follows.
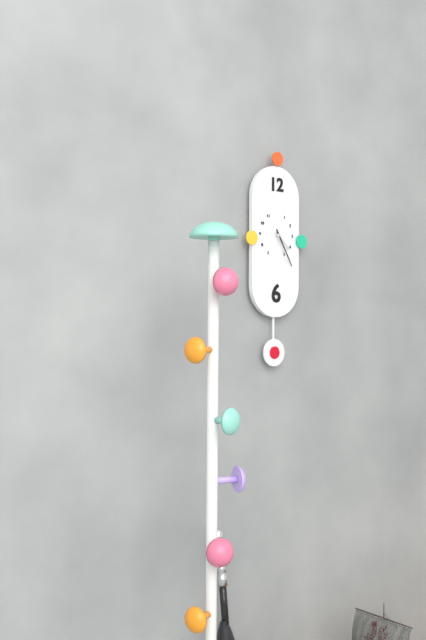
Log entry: 4:25
